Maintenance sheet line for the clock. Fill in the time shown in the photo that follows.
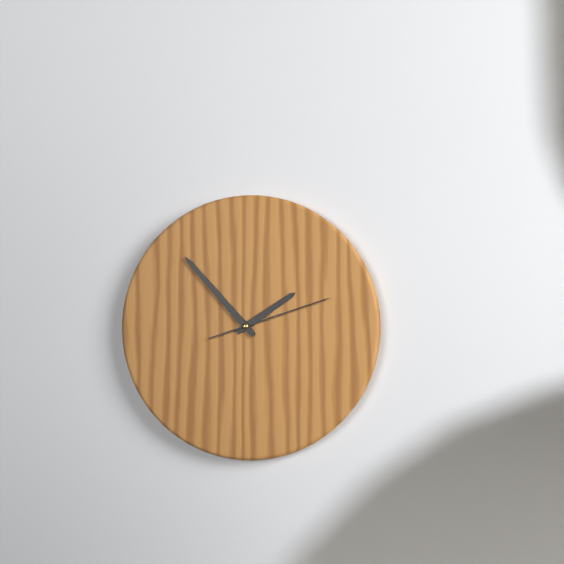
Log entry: 1:53:12
